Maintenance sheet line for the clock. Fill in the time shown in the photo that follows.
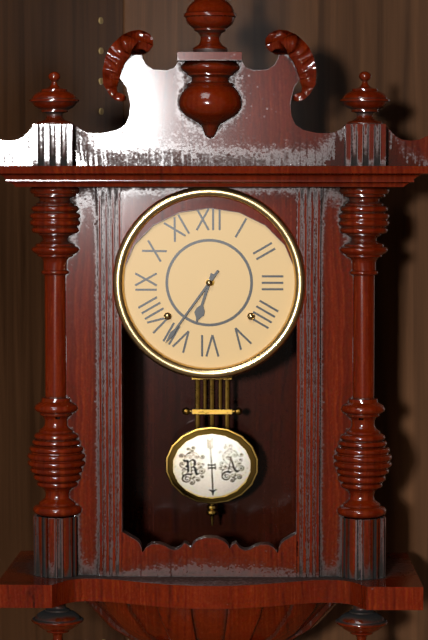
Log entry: 6:36
